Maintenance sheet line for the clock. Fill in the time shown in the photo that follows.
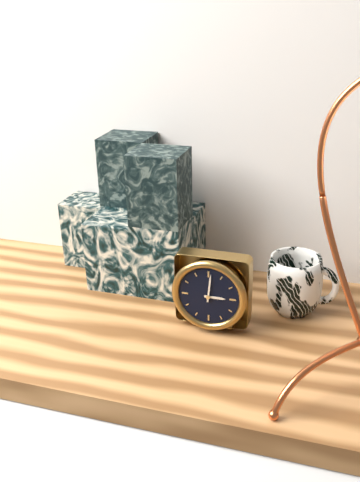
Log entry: 3:01
